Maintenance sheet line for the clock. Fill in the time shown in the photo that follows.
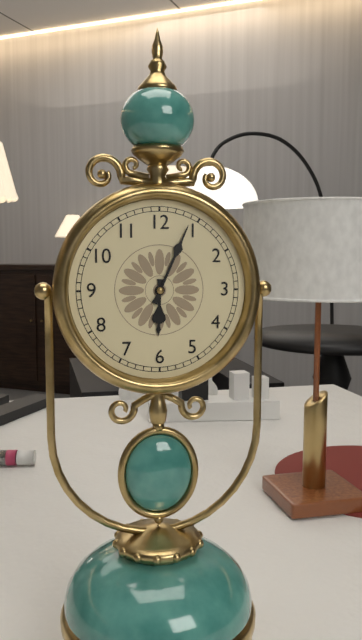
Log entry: 6:04
